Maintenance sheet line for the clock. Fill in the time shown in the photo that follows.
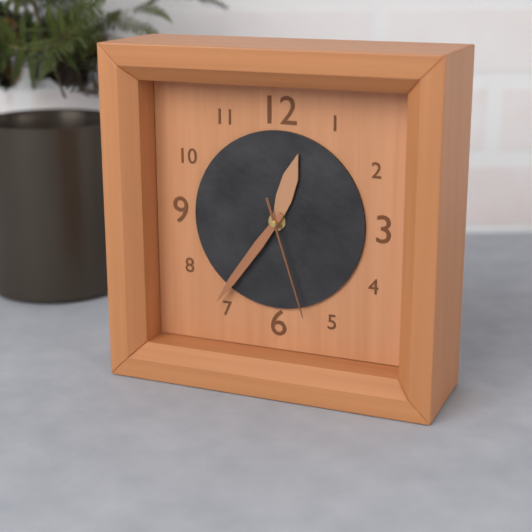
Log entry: 12:36:27
